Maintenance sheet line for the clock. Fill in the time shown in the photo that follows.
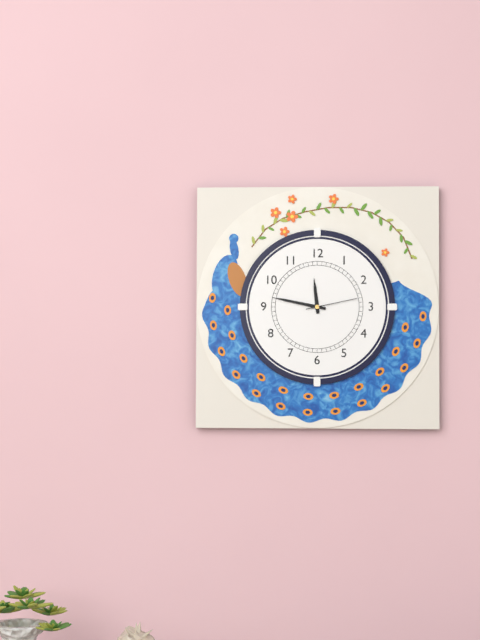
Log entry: 11:47:13
